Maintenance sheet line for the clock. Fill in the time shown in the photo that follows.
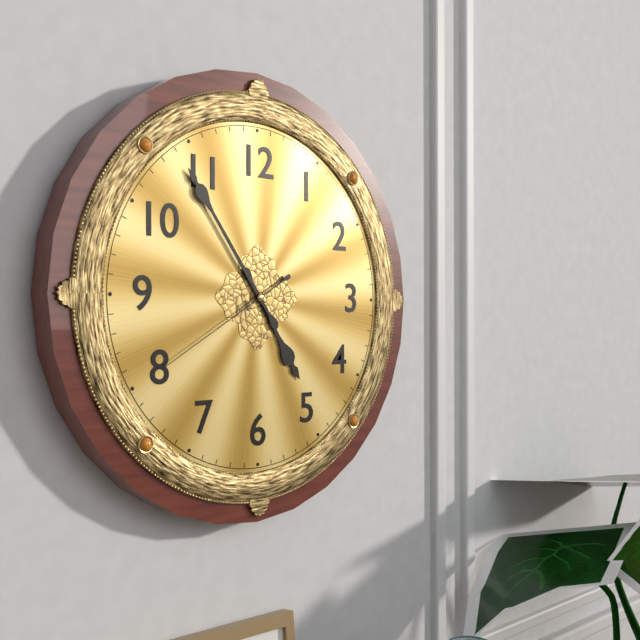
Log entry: 4:54:40
